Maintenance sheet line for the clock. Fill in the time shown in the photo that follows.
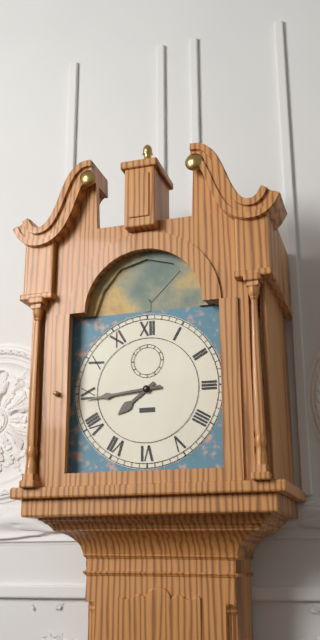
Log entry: 7:44
